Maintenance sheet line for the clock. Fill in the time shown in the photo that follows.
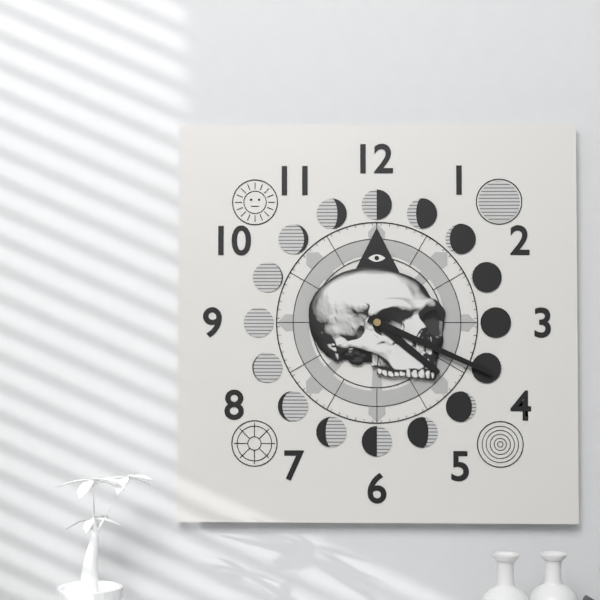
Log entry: 4:19
